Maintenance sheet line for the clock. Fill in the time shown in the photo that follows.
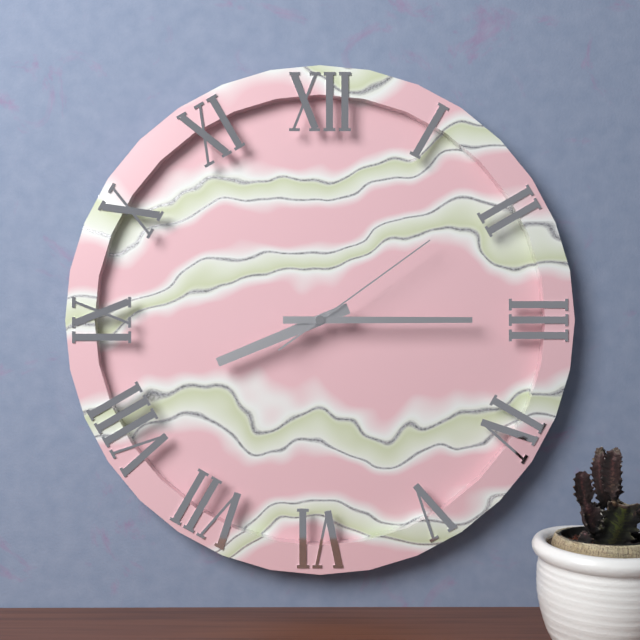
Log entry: 8:15:09
